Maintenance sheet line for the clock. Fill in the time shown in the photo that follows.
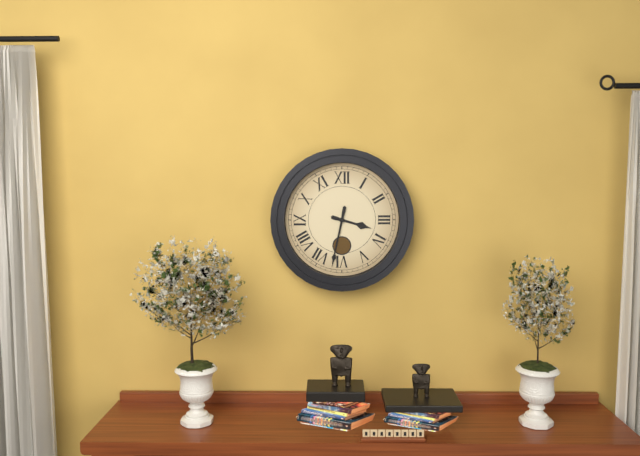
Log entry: 3:32
